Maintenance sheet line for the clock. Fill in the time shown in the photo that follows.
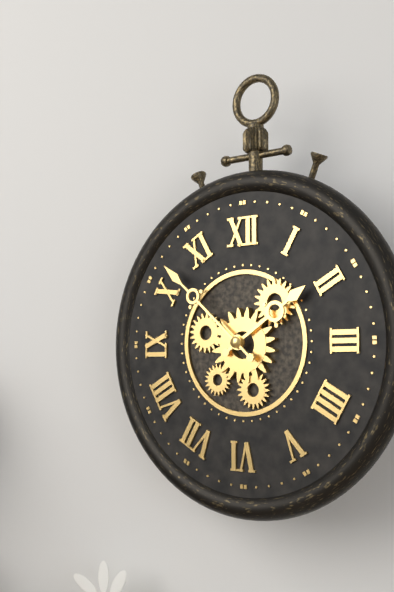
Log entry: 1:52
